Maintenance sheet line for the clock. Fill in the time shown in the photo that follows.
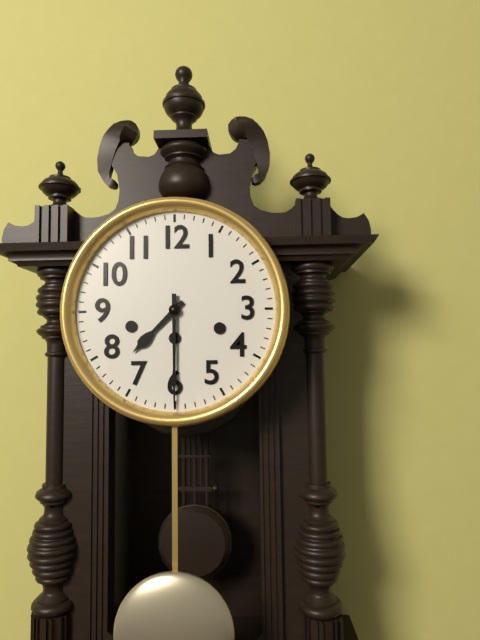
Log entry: 7:30
